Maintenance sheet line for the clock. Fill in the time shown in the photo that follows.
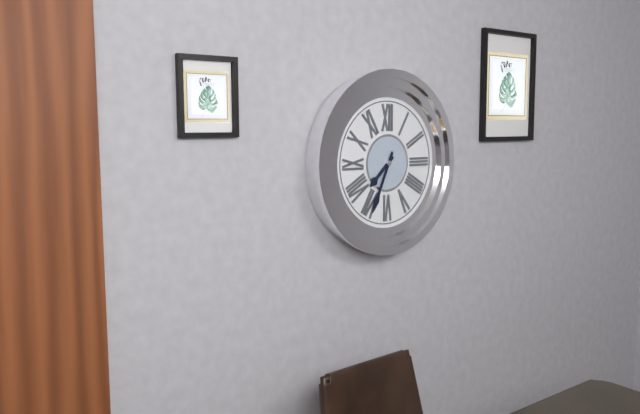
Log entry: 7:34
